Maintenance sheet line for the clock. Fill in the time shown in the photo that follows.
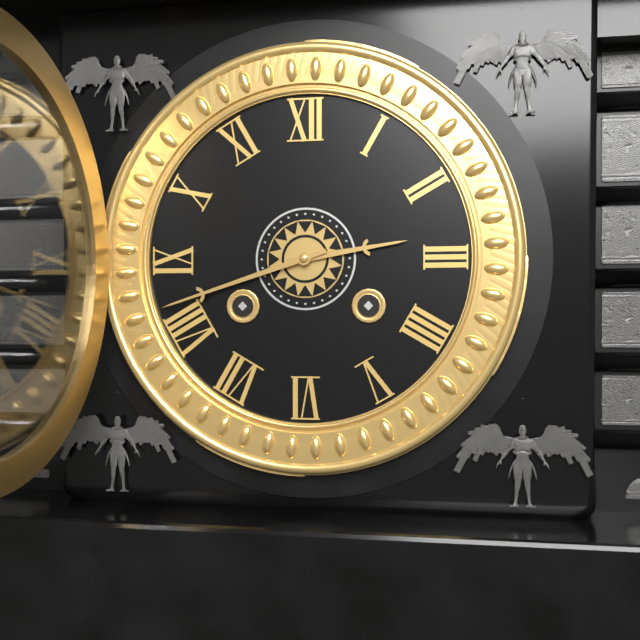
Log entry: 2:42
